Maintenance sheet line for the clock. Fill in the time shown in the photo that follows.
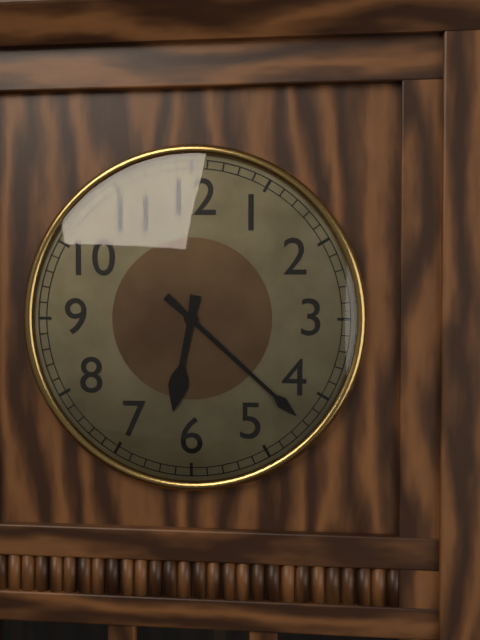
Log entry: 6:22
